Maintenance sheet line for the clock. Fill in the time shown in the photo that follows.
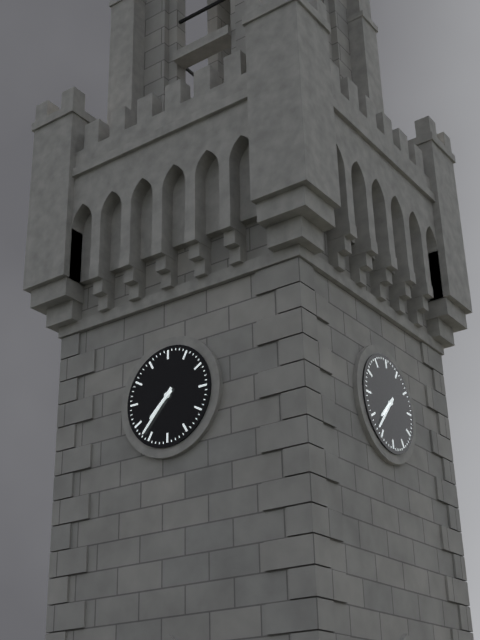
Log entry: 7:37
